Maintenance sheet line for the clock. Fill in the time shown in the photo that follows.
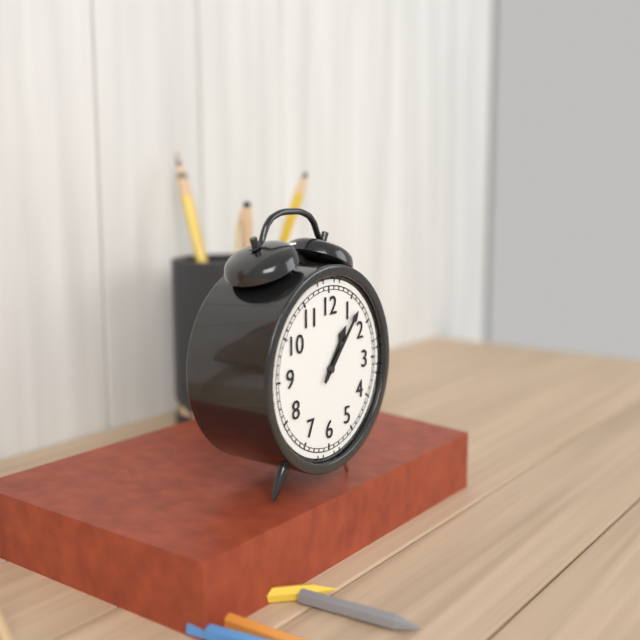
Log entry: 1:07
